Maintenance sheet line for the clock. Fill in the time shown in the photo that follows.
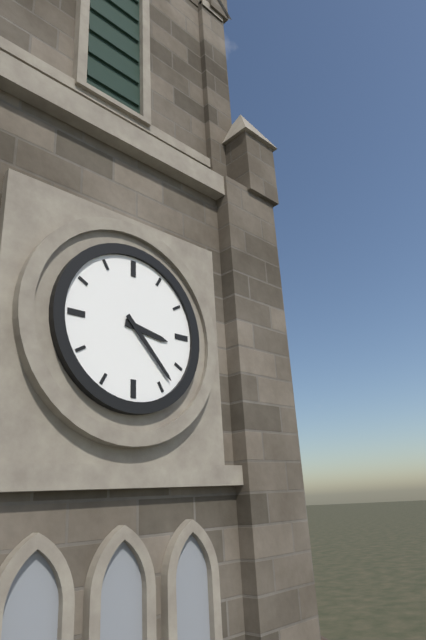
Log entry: 3:23
